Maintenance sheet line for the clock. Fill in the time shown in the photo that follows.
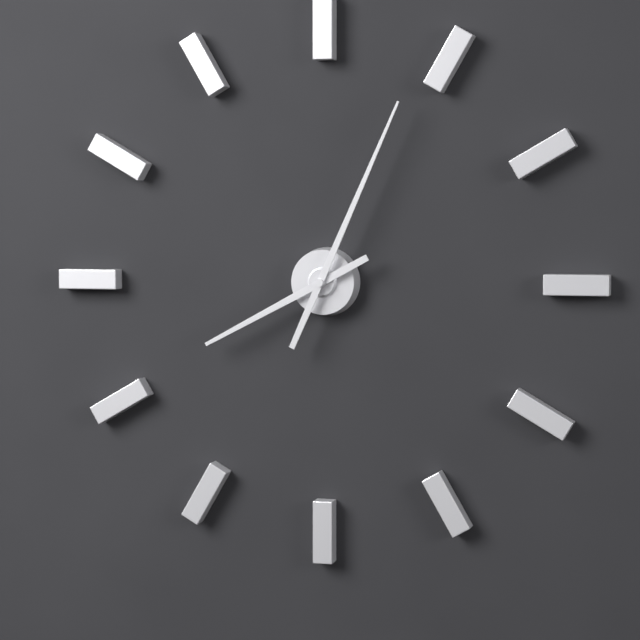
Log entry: 8:04
